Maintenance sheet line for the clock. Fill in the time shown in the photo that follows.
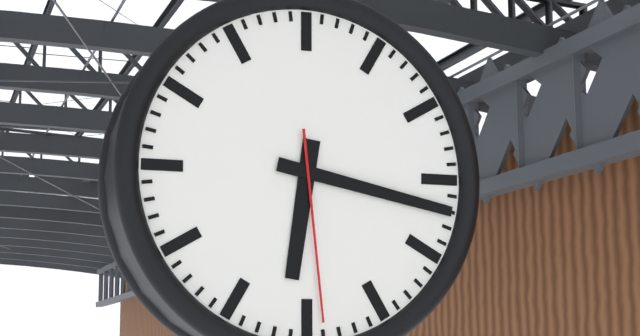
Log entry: 6:17:29
